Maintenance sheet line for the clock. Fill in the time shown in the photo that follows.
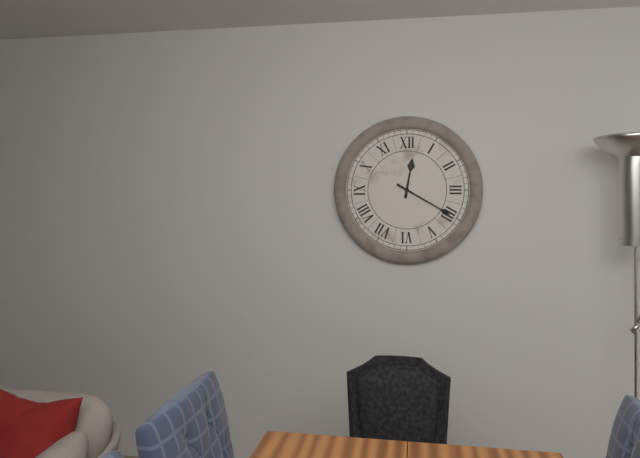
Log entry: 12:20
